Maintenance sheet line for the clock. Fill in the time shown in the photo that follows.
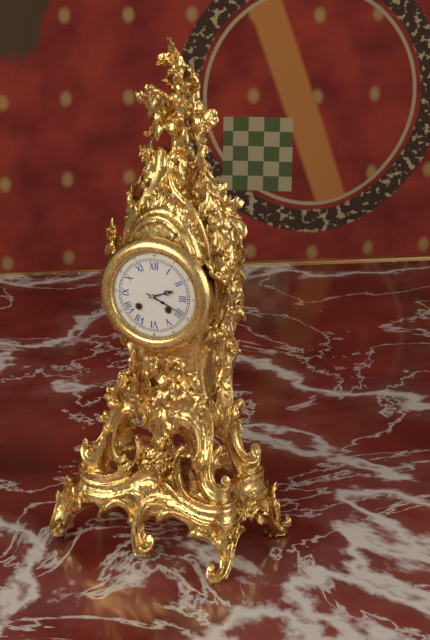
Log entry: 2:19
